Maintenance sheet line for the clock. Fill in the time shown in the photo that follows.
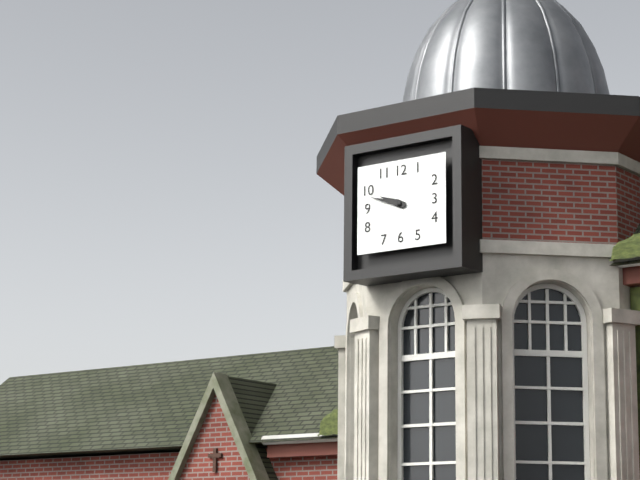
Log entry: 9:48
